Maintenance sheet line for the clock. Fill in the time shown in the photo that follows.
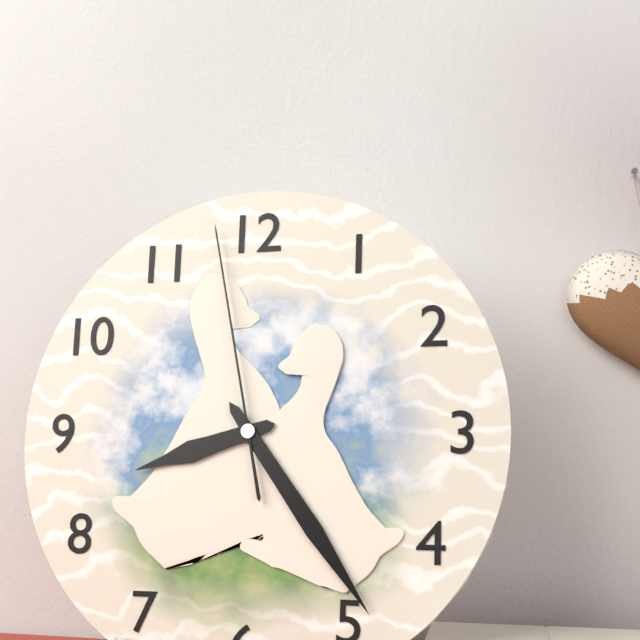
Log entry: 8:24:58
